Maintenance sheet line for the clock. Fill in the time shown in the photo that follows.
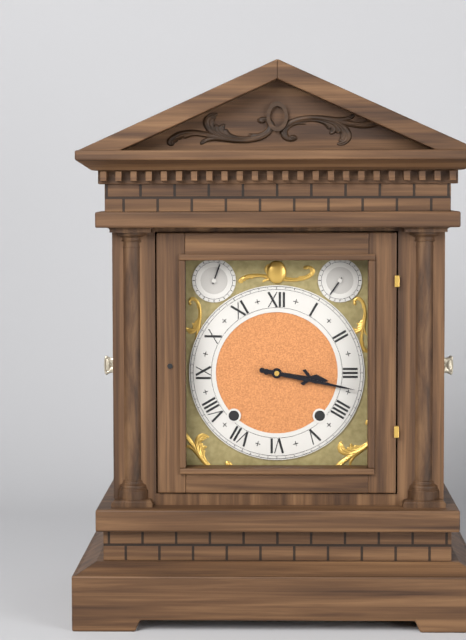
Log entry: 3:17
